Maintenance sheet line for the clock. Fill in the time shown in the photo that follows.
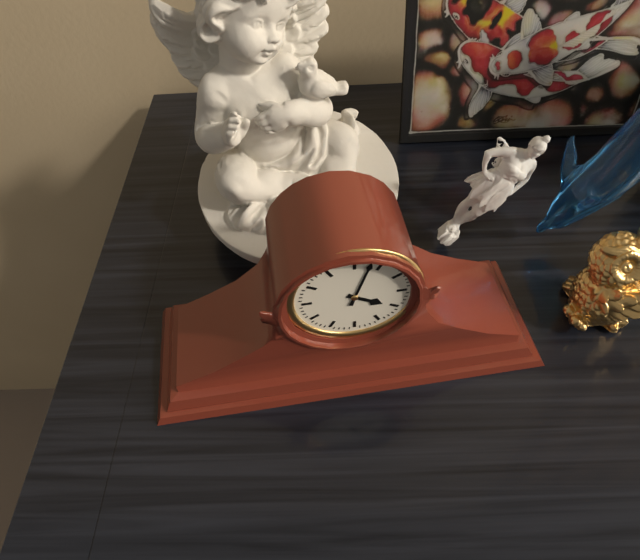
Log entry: 4:03
